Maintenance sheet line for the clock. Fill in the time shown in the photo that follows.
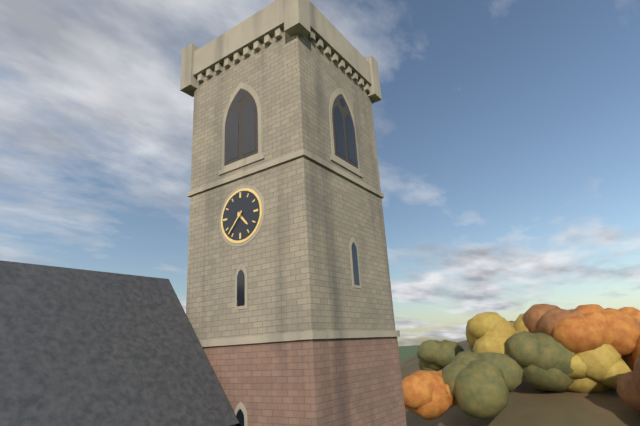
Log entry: 4:37
